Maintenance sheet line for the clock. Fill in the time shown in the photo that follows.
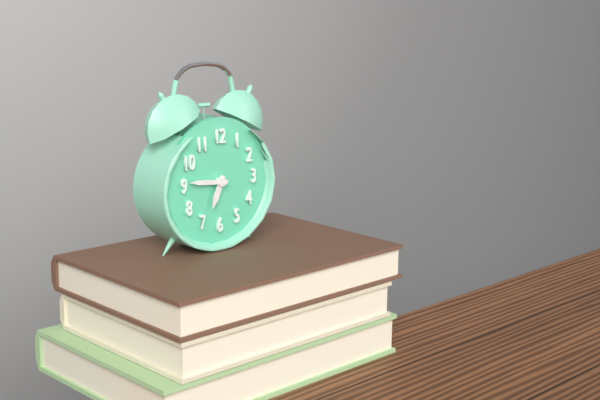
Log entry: 6:46
